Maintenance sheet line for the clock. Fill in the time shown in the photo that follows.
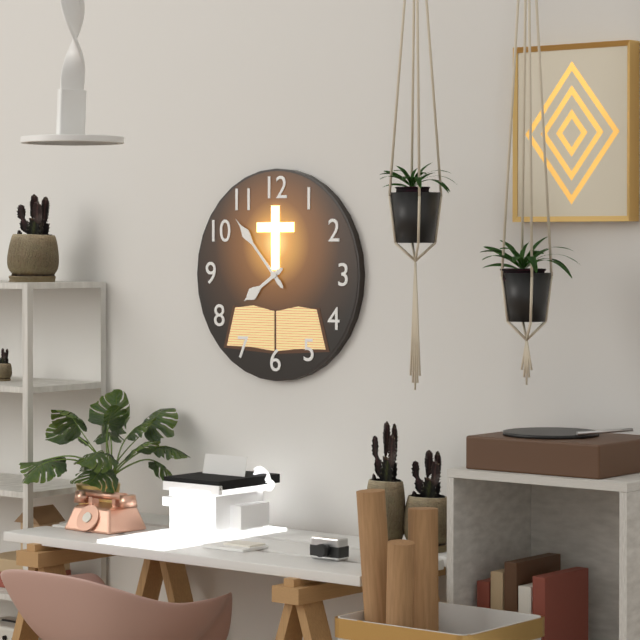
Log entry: 7:53
